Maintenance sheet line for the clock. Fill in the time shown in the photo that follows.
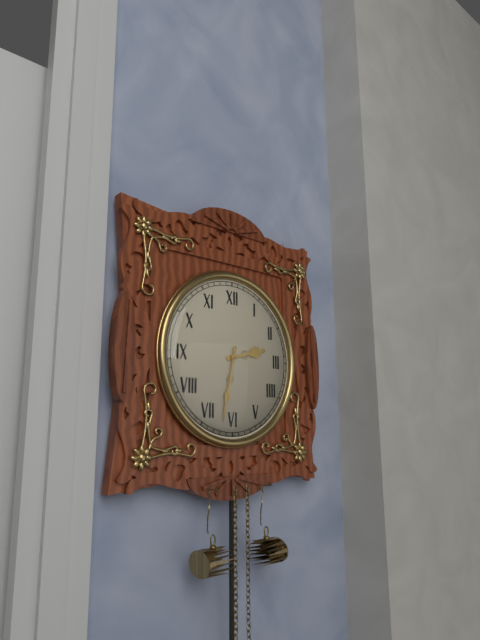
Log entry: 2:32
